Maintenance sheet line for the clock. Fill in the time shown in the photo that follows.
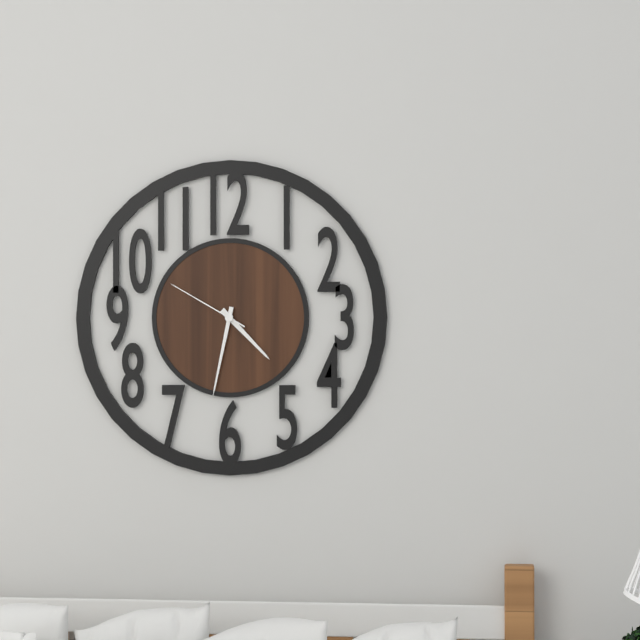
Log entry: 4:32:50
